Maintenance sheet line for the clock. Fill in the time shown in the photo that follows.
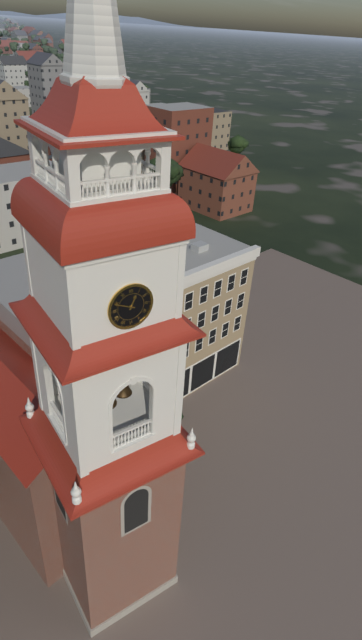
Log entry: 12:49
